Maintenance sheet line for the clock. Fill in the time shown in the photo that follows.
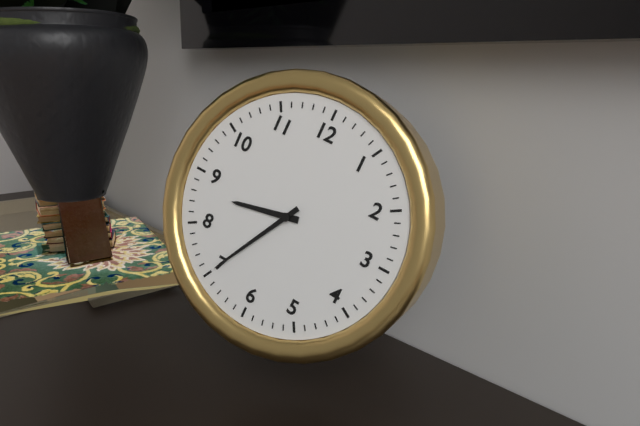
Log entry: 8:35
